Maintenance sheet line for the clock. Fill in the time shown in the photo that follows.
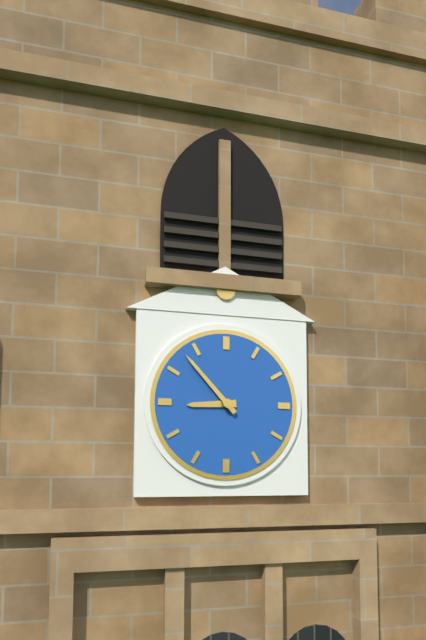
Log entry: 8:53
